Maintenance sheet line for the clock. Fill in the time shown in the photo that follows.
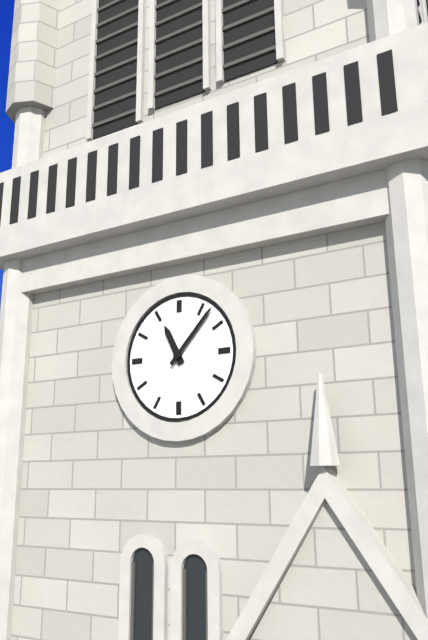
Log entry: 11:07
